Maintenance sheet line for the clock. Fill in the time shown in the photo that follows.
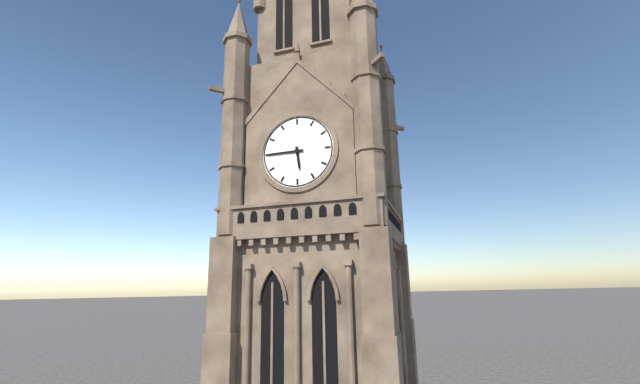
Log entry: 5:45
